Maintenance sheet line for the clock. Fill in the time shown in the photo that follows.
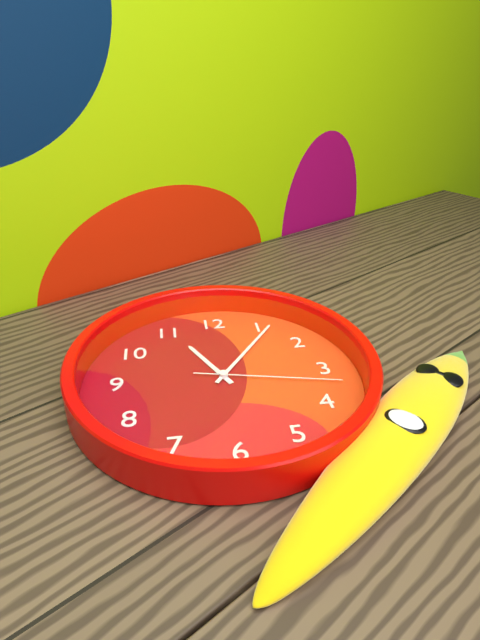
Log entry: 11:06:17
